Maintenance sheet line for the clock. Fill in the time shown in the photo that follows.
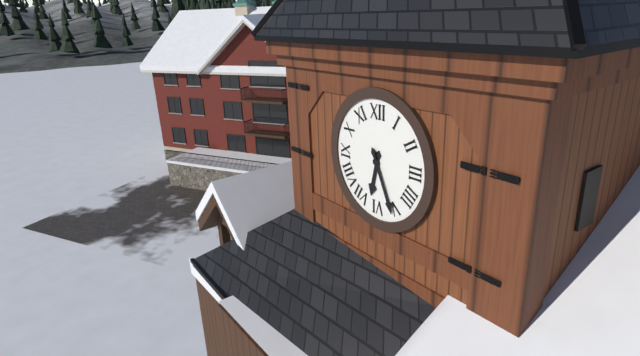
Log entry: 6:26
